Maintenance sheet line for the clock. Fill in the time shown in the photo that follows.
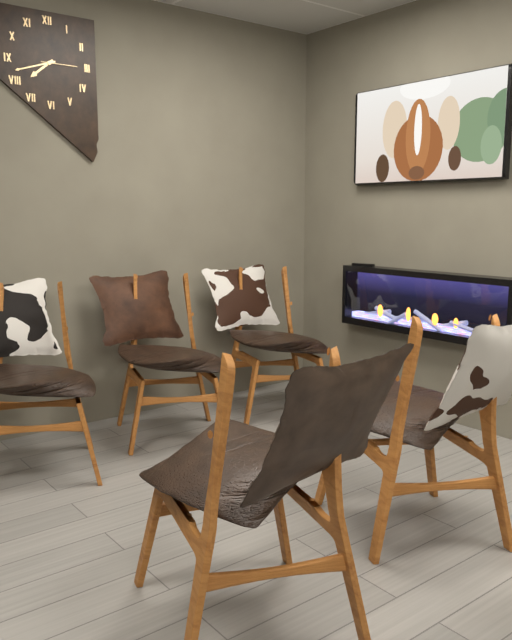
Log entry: 7:42
